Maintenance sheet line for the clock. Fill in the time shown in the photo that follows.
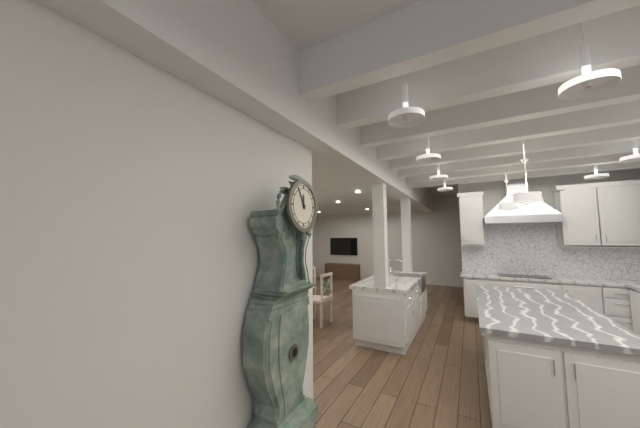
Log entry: 11:55
